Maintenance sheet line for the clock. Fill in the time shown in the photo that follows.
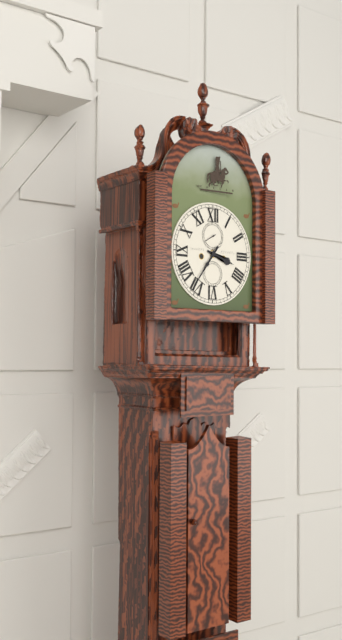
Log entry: 3:36
